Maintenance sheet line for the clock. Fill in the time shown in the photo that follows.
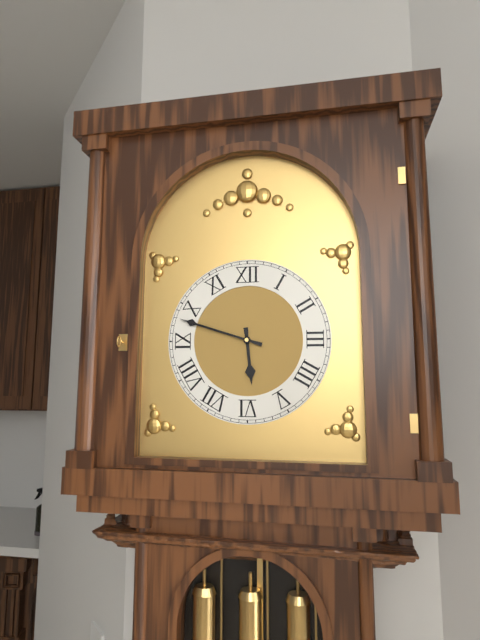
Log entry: 5:48
